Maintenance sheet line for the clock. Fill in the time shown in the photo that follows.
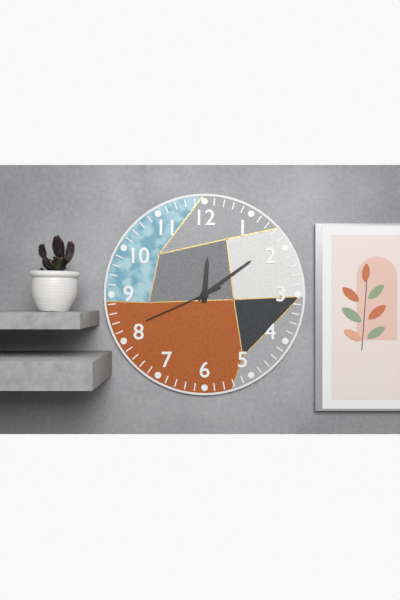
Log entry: 12:09:41
